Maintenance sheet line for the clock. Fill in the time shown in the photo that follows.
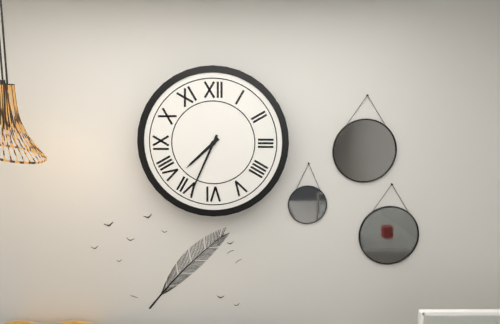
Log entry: 7:34
